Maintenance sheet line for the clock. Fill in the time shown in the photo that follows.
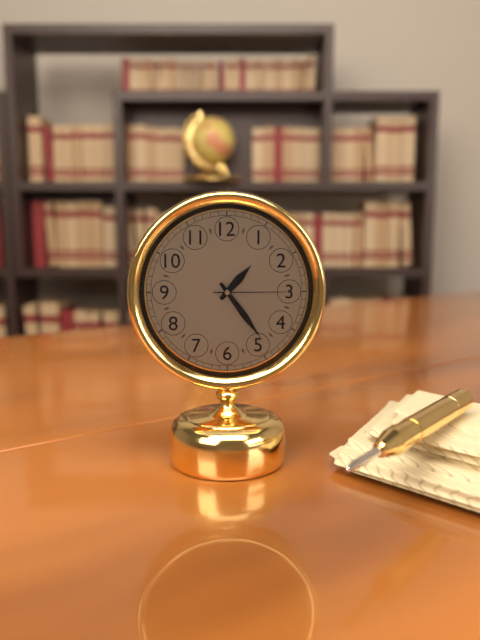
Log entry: 1:24:15
